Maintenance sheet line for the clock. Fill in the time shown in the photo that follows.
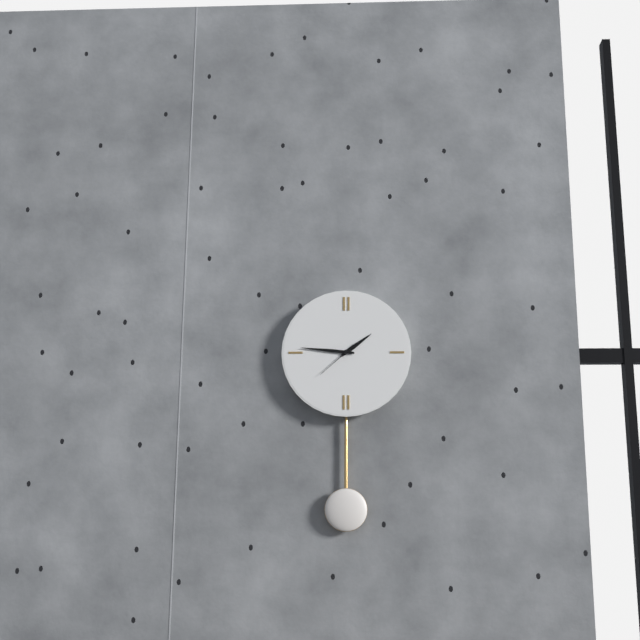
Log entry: 1:46
